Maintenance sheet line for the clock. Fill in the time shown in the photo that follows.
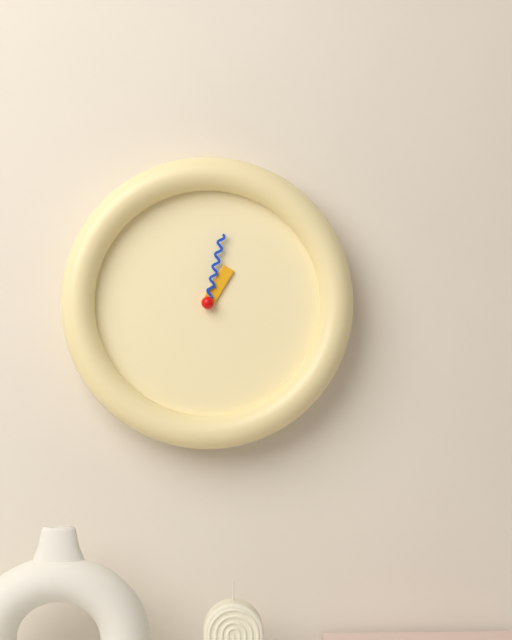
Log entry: 1:02
